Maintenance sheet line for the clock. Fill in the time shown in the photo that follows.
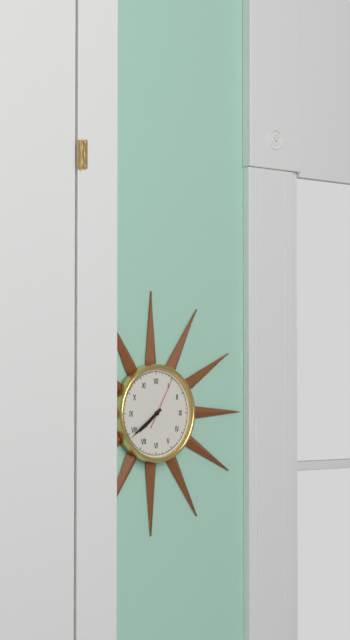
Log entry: 7:39:05
